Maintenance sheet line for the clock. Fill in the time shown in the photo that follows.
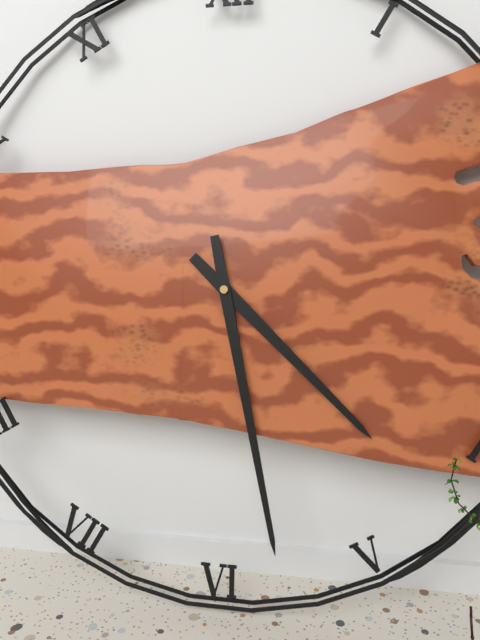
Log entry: 4:28
